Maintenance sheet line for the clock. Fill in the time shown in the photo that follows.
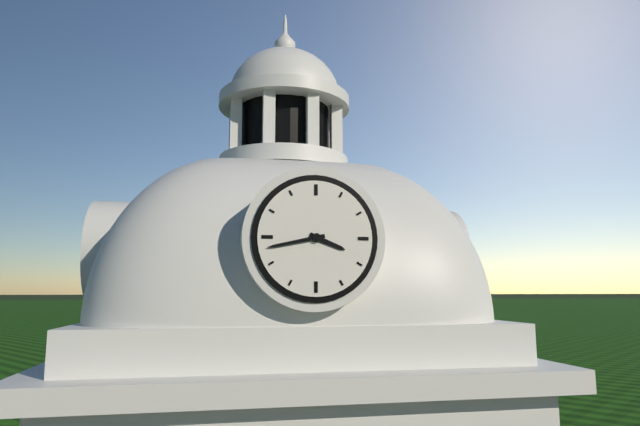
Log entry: 3:43
